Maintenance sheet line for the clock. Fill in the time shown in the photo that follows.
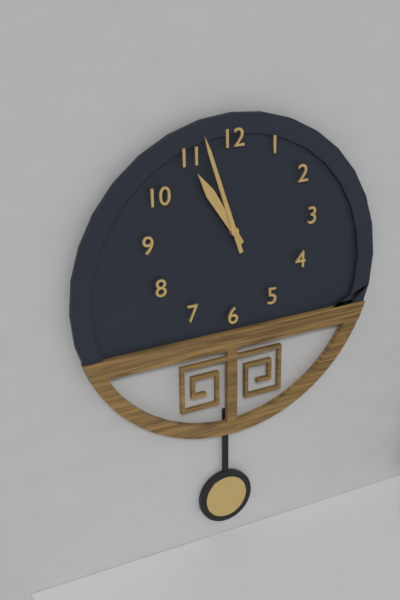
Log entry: 10:57
